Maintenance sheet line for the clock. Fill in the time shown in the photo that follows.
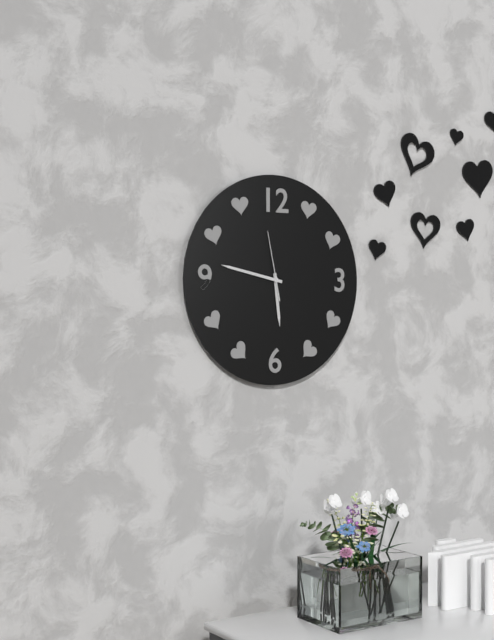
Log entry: 5:47:58
